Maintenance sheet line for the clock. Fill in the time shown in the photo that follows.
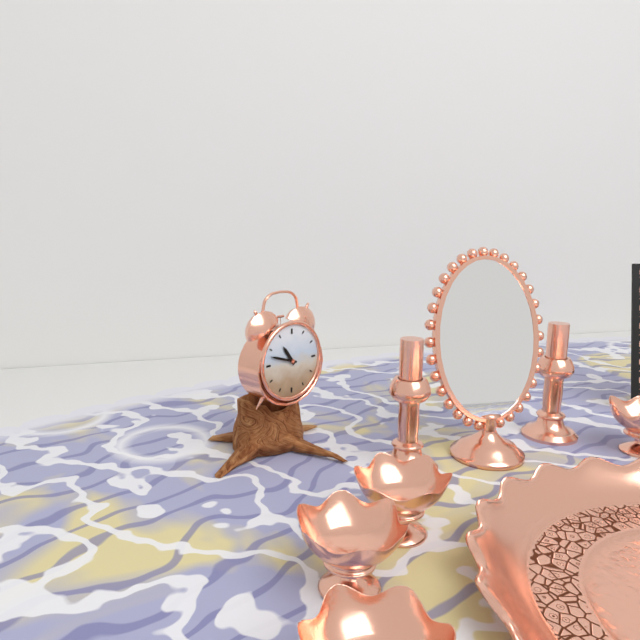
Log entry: 10:48
